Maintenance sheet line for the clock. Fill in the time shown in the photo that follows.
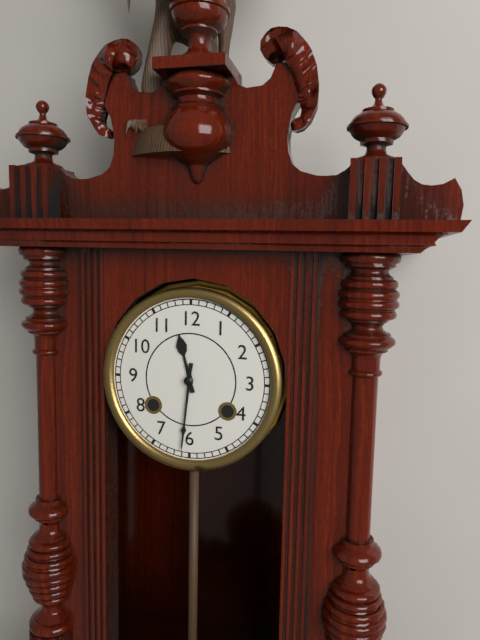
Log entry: 11:31
